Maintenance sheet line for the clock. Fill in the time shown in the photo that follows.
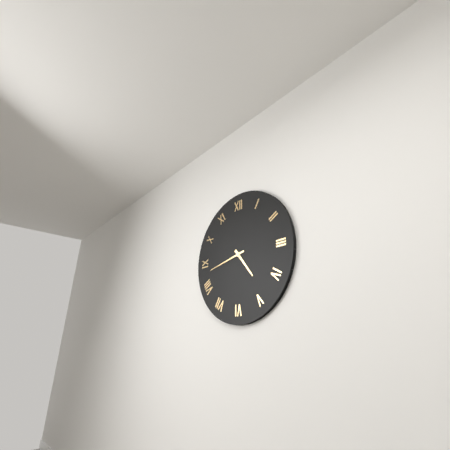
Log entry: 4:43
